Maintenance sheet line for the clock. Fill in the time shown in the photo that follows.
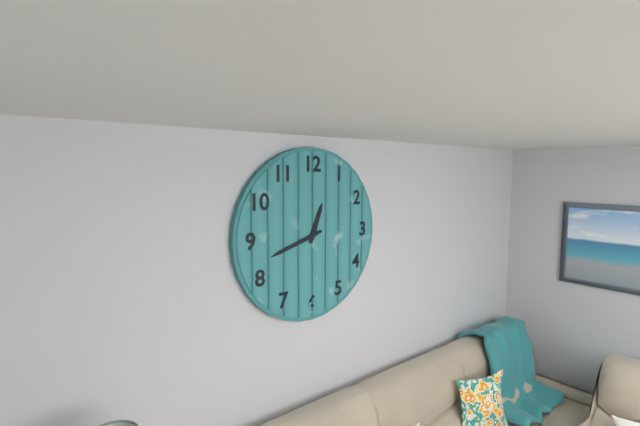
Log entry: 12:42
